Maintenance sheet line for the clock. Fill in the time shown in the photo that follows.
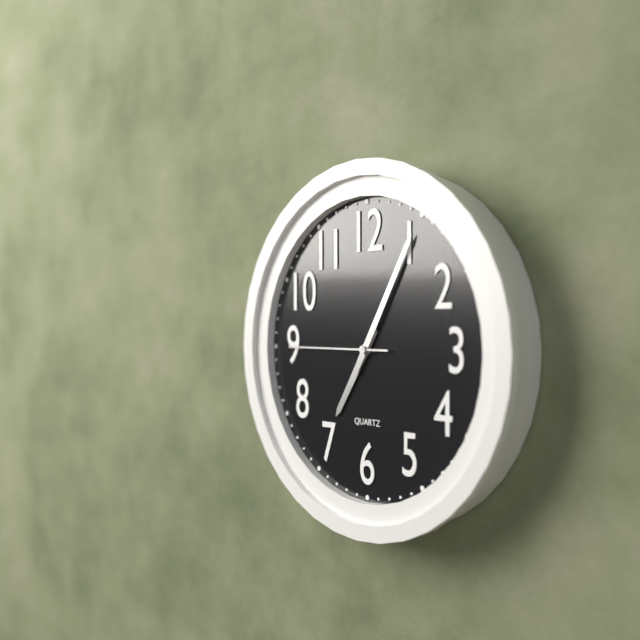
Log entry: 7:05:45
